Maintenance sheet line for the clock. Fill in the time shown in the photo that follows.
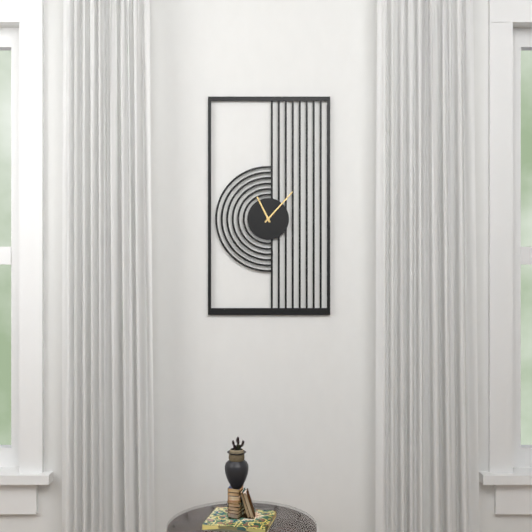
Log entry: 11:07
